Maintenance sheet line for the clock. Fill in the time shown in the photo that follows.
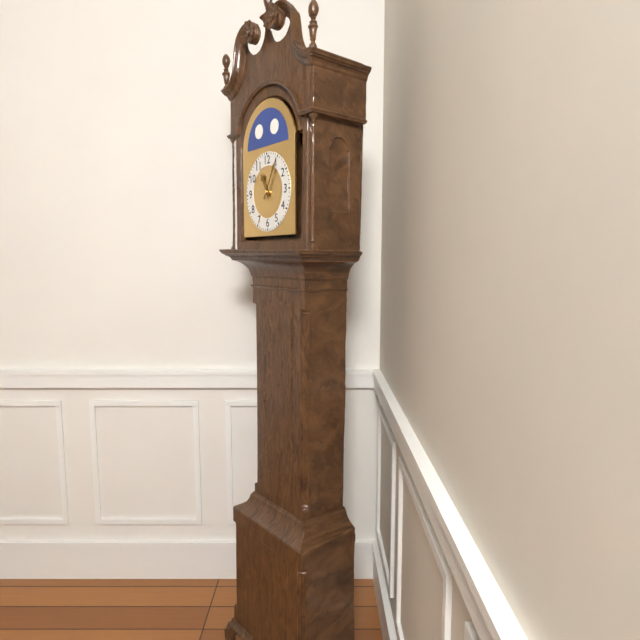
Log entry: 11:05
